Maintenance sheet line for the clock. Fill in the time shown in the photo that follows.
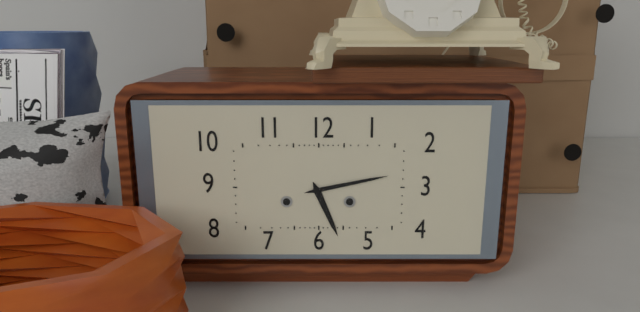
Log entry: 5:13
